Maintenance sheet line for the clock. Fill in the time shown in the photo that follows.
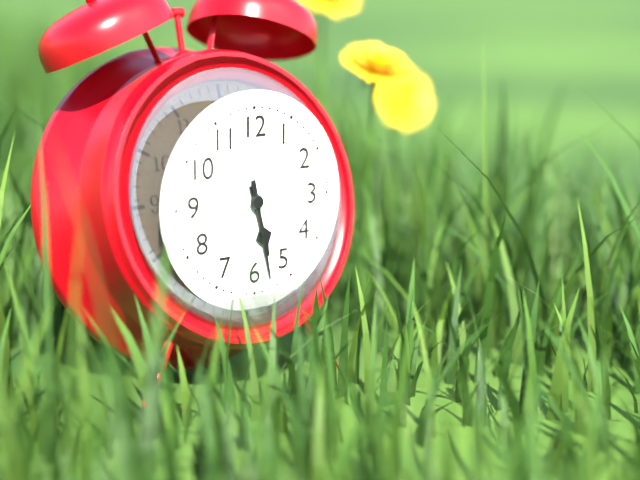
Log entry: 5:28
